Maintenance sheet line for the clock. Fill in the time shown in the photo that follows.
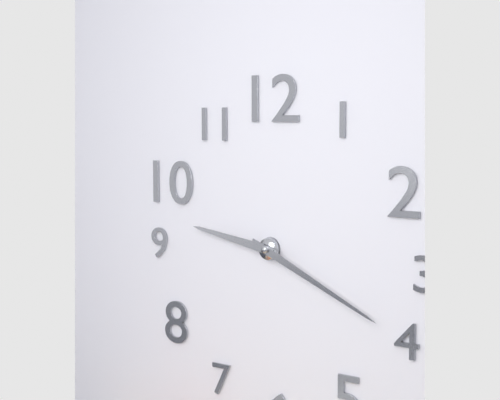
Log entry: 9:19
